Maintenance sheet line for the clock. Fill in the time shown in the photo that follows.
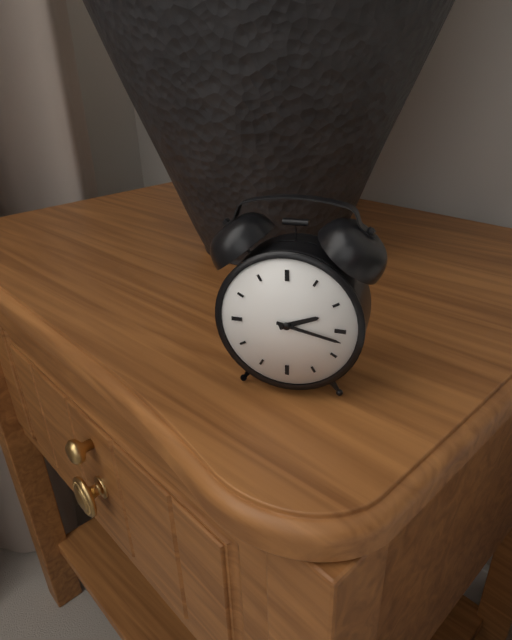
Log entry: 2:17
